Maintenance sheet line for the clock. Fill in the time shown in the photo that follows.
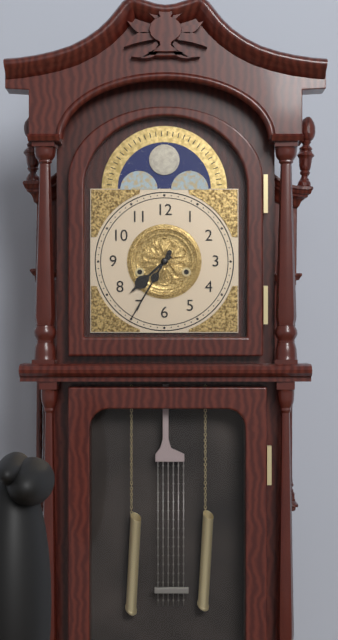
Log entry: 7:35
